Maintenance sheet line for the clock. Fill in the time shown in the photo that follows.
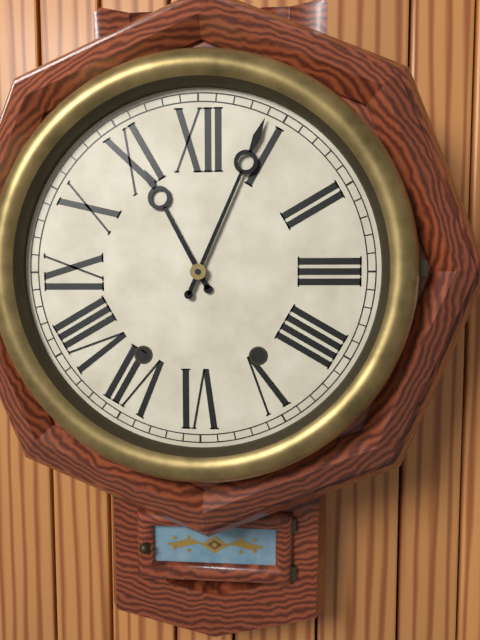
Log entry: 11:04
